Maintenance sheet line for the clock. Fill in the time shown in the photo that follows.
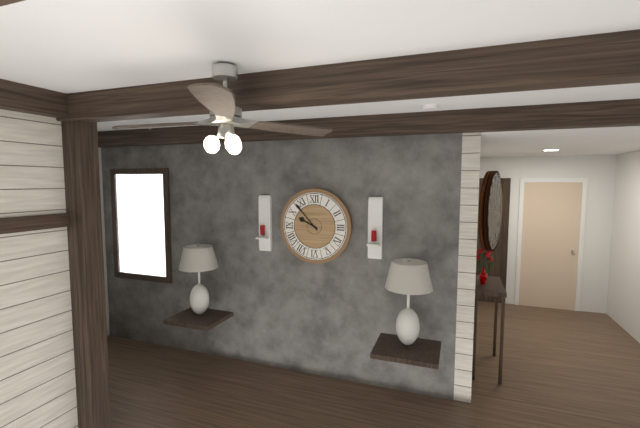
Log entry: 9:53
